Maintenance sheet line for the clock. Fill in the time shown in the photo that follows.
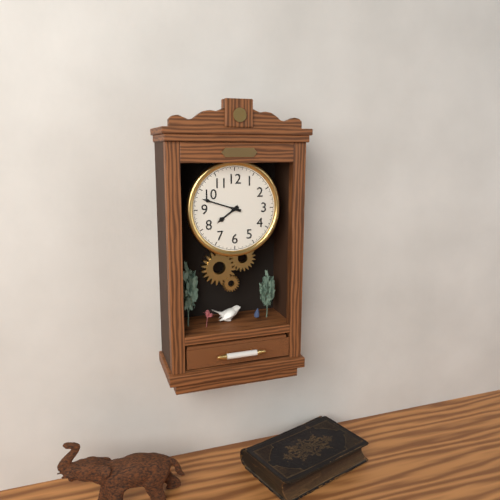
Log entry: 7:48
